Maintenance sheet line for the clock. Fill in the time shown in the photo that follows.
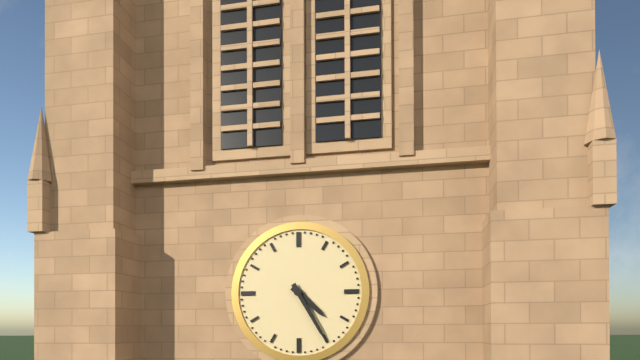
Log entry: 4:25
